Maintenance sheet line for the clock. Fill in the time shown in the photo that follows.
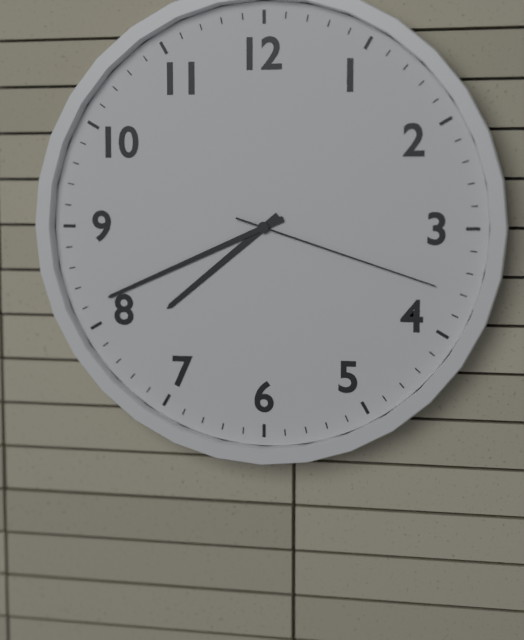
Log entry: 7:41:18
